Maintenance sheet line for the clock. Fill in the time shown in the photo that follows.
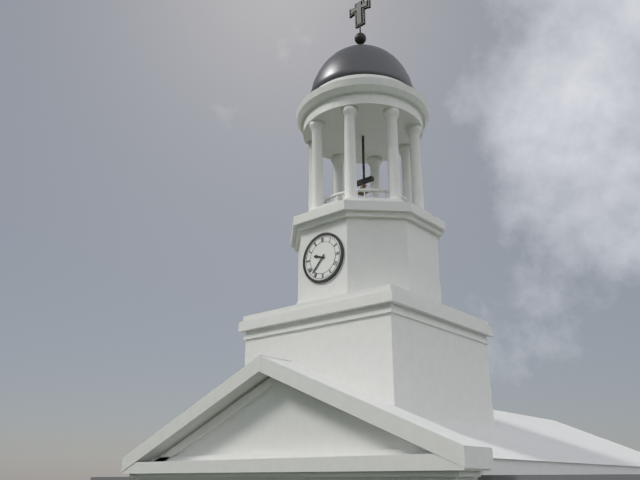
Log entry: 9:37
